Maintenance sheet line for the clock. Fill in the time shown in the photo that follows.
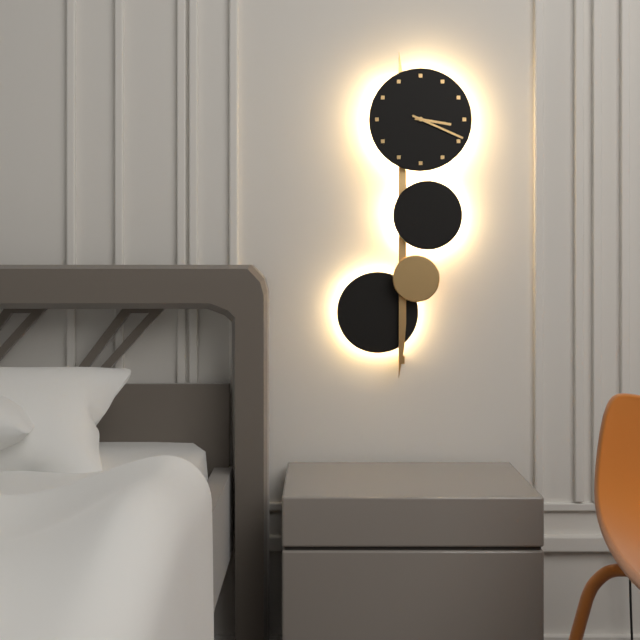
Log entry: 3:19
